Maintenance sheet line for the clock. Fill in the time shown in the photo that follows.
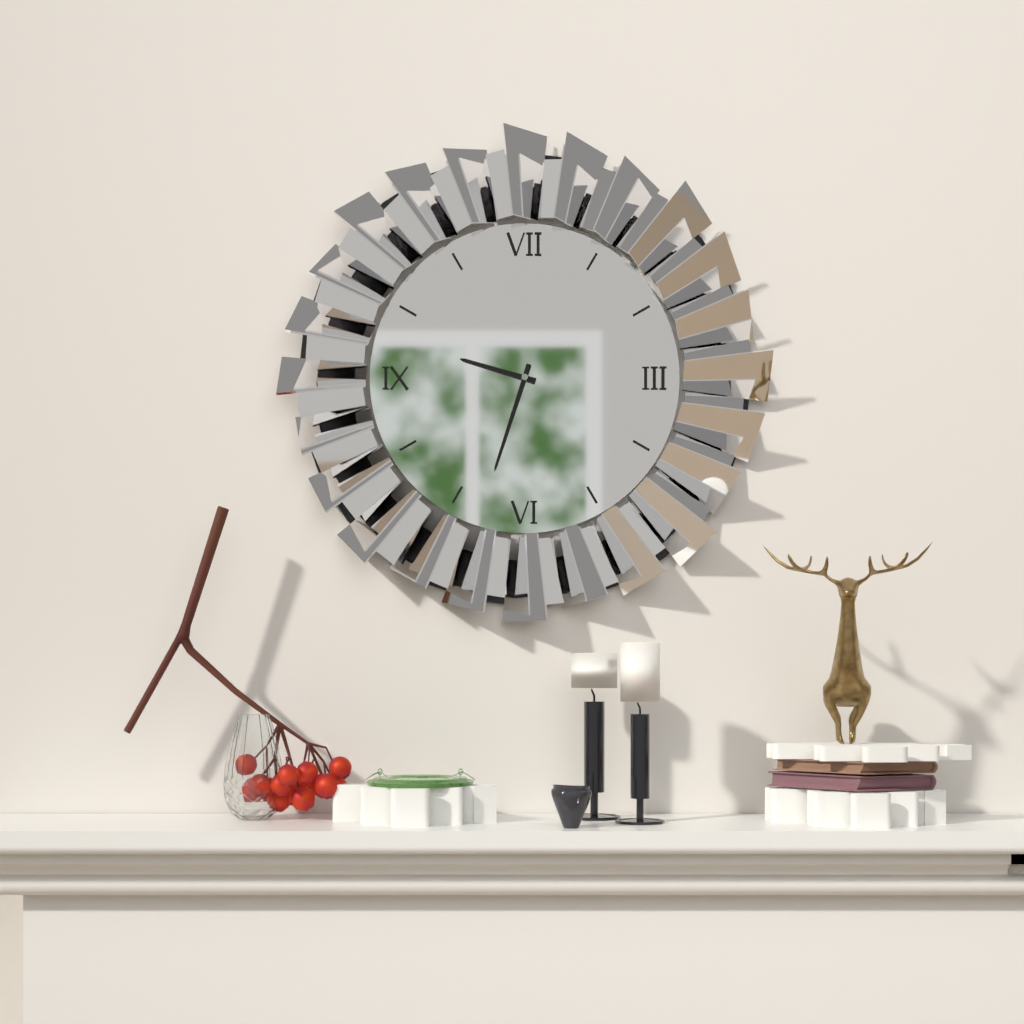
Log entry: 9:33
